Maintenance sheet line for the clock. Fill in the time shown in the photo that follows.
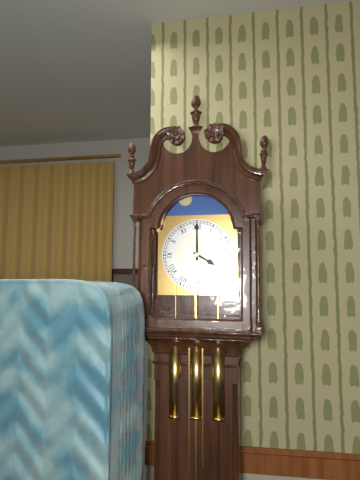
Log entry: 4:00
